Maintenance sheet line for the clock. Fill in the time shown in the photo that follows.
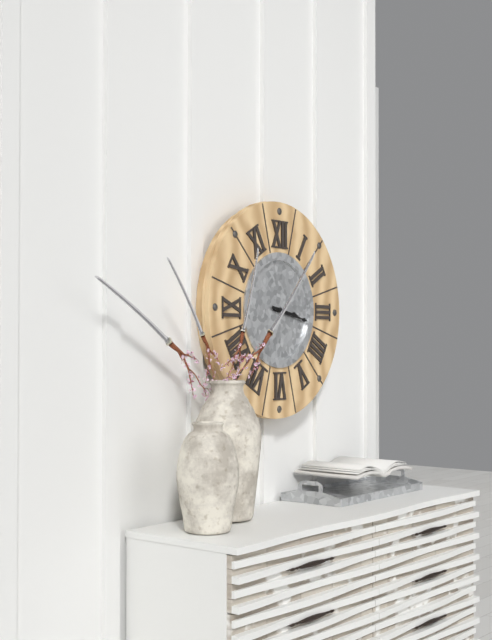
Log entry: 3:17
